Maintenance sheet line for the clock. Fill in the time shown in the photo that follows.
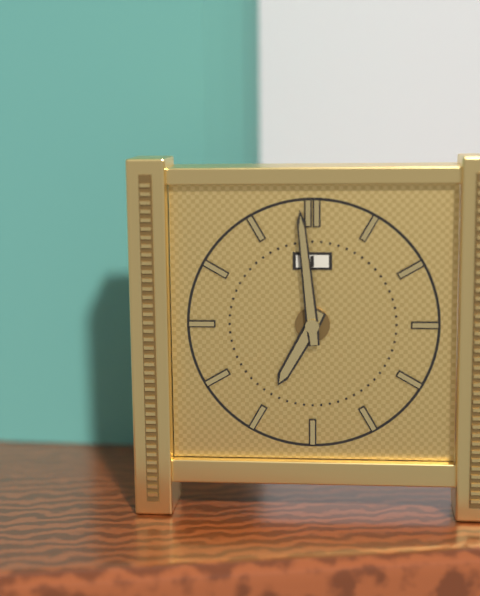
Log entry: 6:59
